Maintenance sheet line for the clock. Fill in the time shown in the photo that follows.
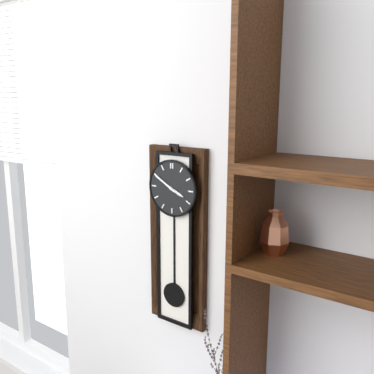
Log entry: 3:50
